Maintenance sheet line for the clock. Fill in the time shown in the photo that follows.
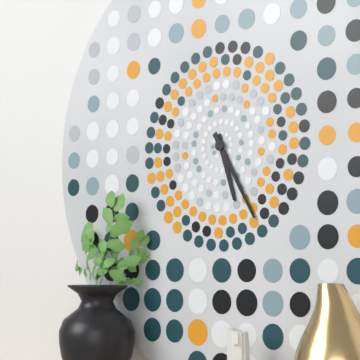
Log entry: 5:25
